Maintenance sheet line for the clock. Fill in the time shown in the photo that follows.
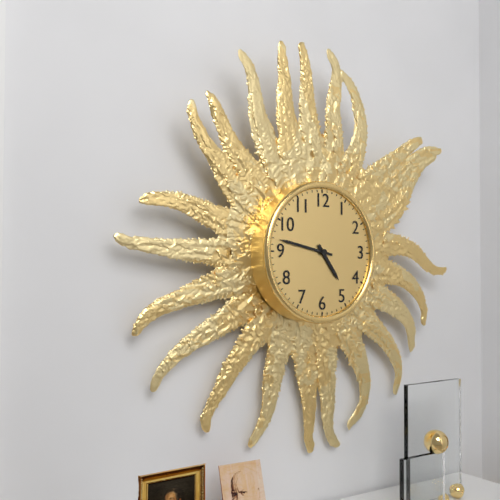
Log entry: 4:47
